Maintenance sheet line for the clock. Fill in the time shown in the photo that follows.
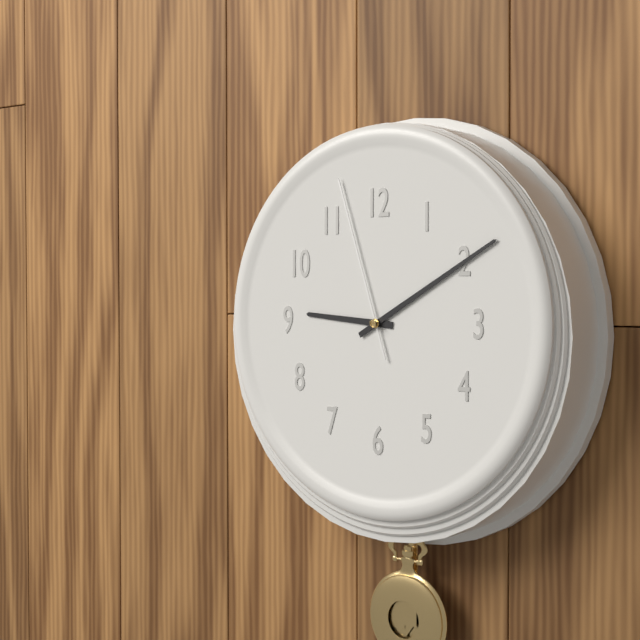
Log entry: 9:10:57
